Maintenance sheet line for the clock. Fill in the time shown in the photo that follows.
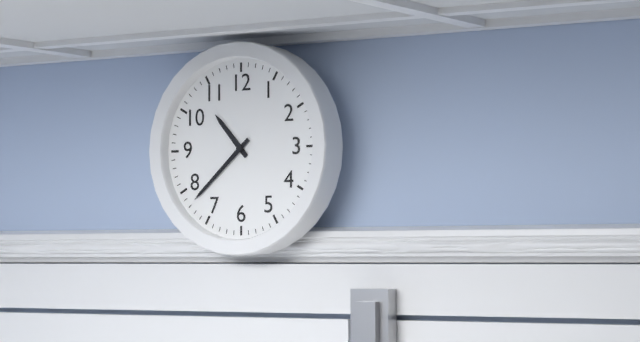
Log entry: 10:38
